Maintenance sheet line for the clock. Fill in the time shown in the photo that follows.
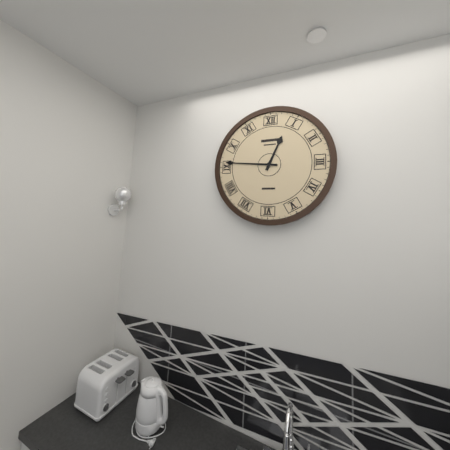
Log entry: 12:46
